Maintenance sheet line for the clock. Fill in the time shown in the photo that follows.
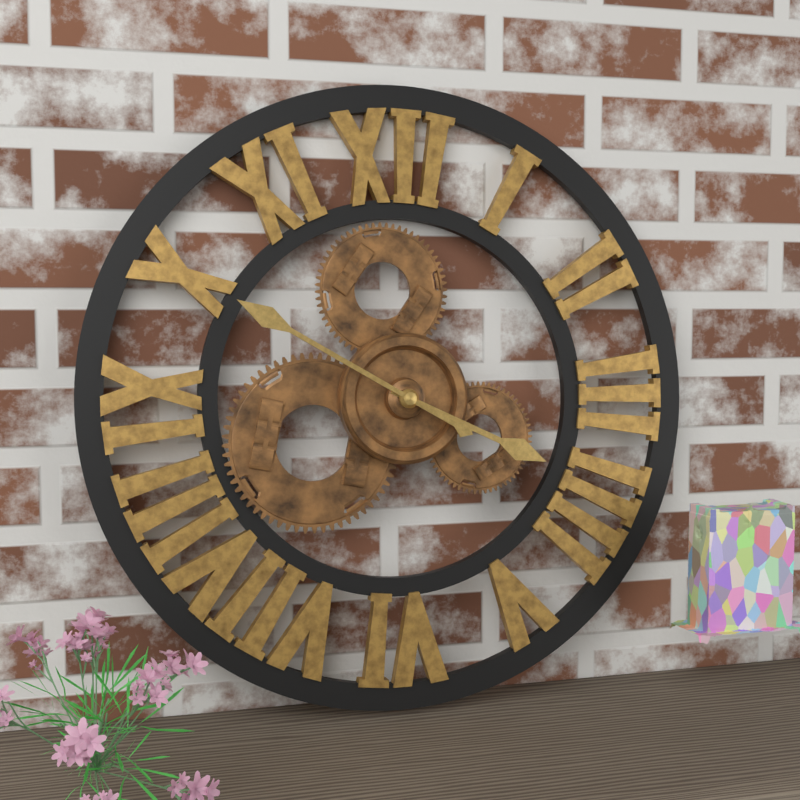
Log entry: 3:50
